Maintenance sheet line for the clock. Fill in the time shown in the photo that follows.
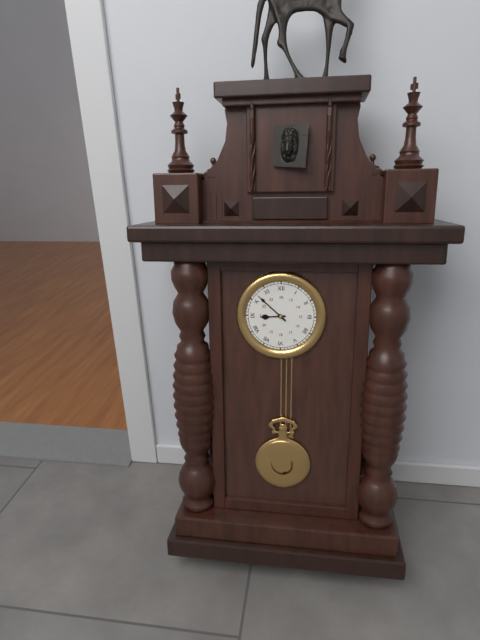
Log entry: 8:52
